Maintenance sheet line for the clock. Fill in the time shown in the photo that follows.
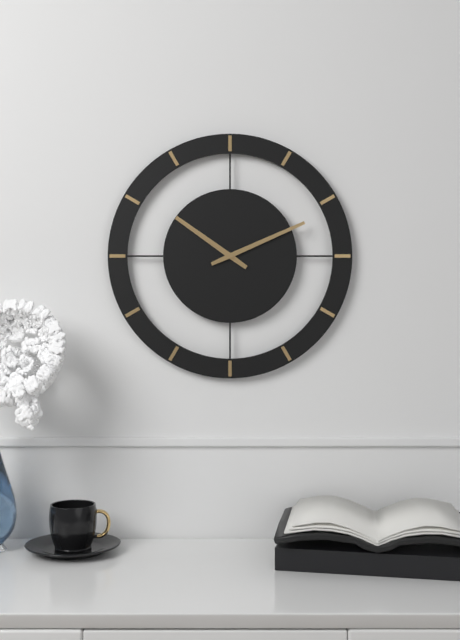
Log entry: 10:11
